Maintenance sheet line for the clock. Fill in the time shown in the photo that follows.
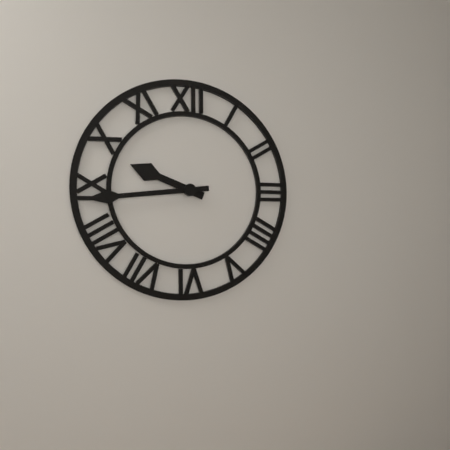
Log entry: 9:44
